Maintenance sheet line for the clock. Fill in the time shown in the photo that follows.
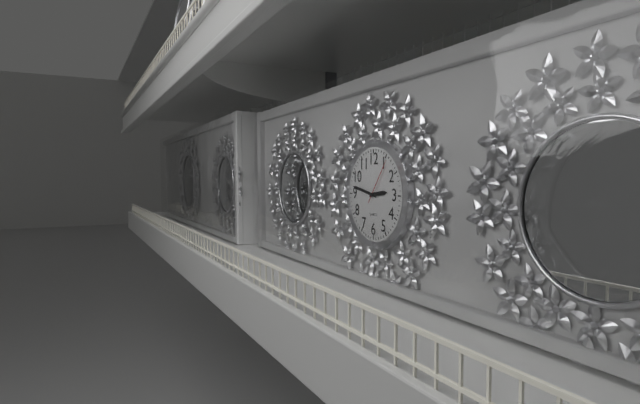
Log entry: 2:47
